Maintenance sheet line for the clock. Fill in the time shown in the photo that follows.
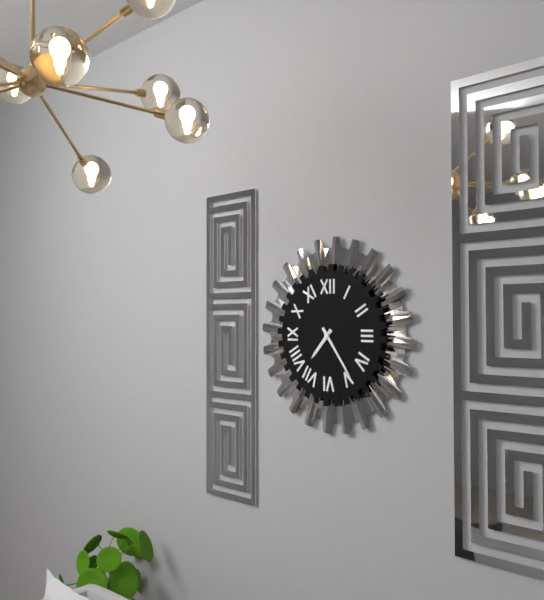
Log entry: 7:24
